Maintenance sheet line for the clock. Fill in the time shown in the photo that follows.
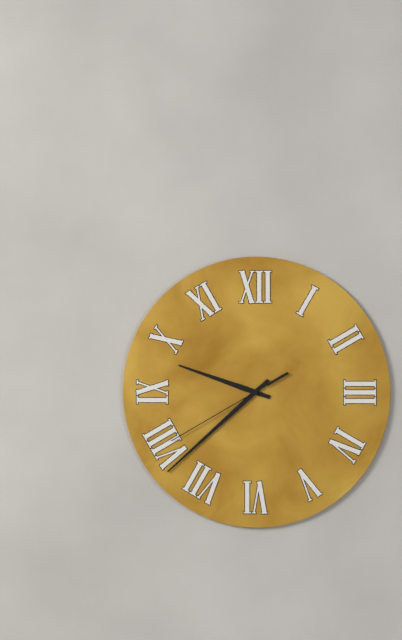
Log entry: 9:38:40
